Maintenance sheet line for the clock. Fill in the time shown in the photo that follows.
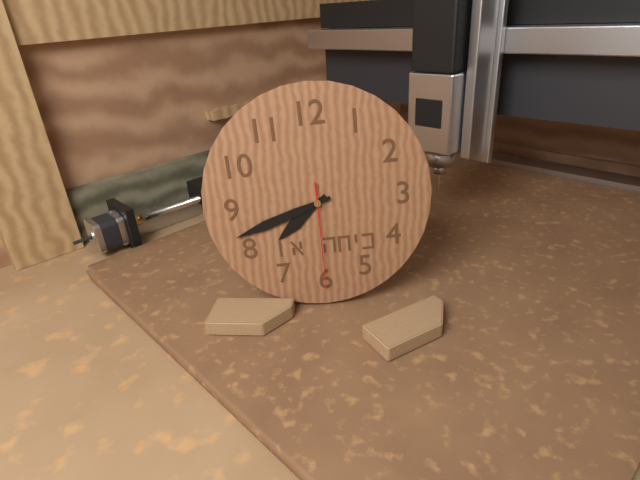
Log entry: 7:42:30
